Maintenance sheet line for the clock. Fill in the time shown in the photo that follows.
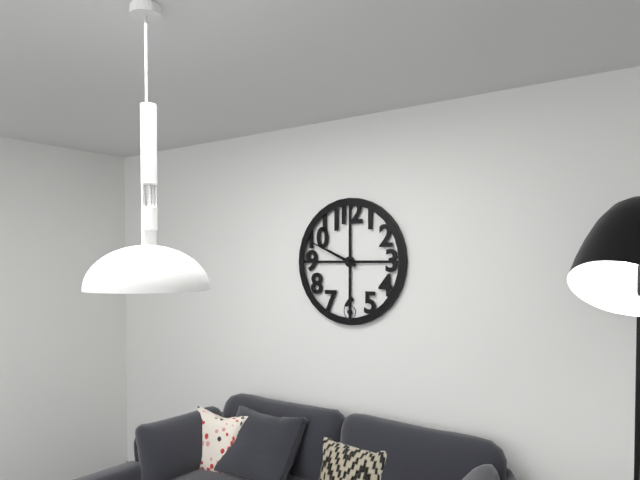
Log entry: 9:49
